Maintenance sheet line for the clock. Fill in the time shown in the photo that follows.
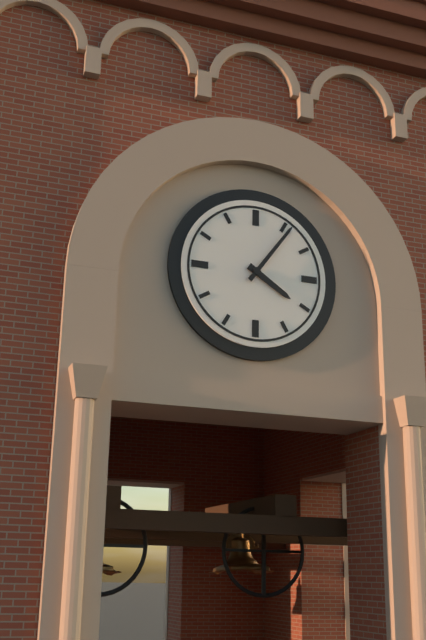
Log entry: 4:06
